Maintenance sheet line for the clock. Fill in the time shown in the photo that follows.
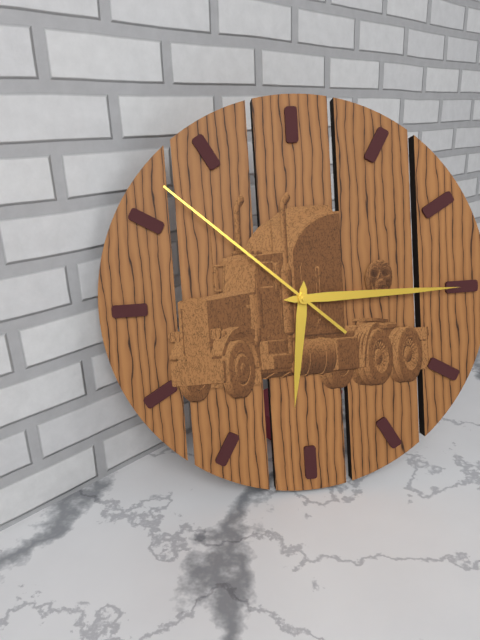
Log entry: 6:15:52
